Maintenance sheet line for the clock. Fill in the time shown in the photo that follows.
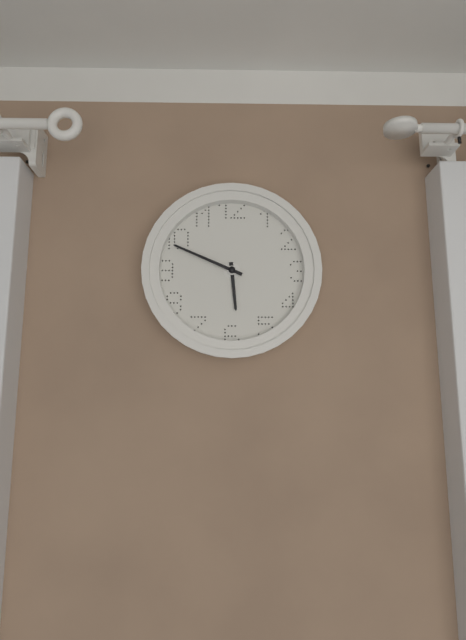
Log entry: 5:49
